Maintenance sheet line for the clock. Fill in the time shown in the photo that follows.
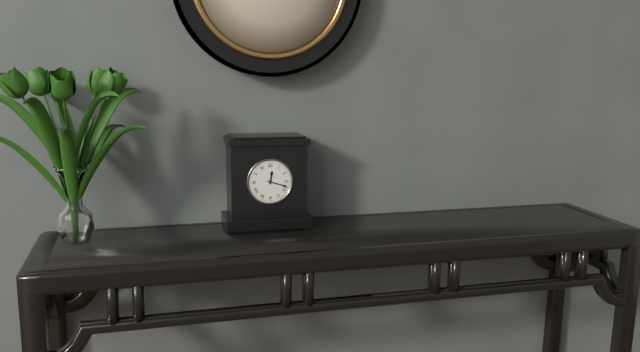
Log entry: 12:18
